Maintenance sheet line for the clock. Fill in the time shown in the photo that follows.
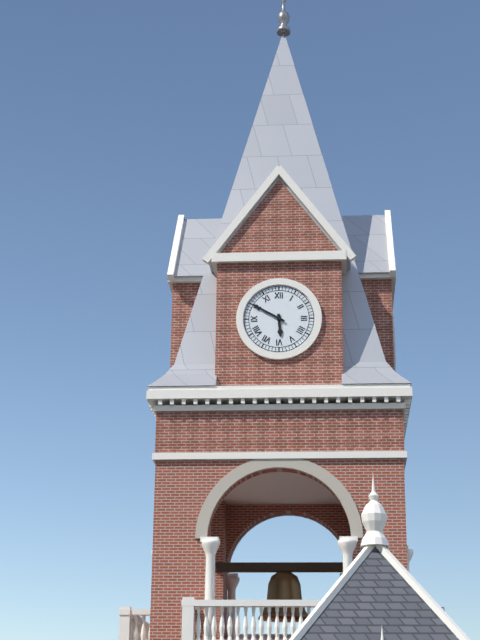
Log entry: 5:50
